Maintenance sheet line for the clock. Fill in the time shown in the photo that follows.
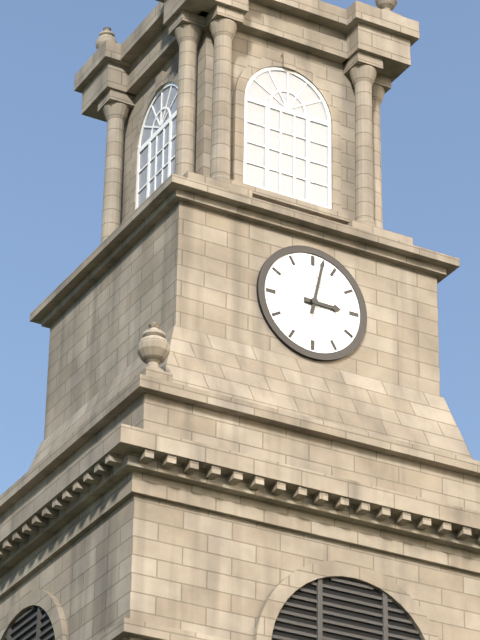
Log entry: 3:02
